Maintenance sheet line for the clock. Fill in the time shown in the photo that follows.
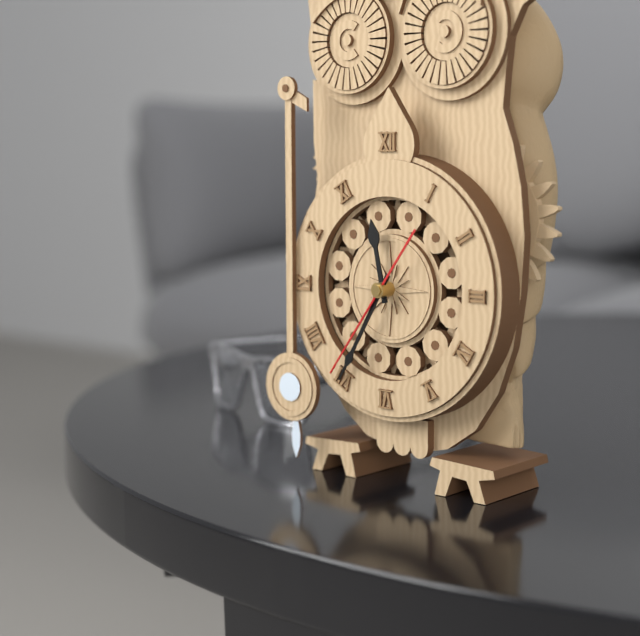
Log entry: 11:35:36
